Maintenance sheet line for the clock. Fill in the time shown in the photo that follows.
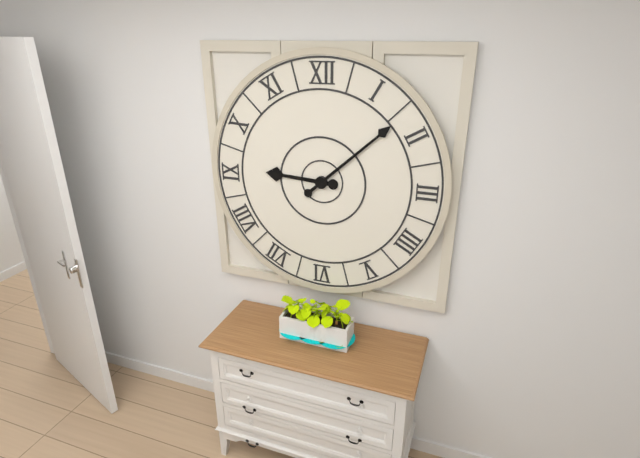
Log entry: 9:08
